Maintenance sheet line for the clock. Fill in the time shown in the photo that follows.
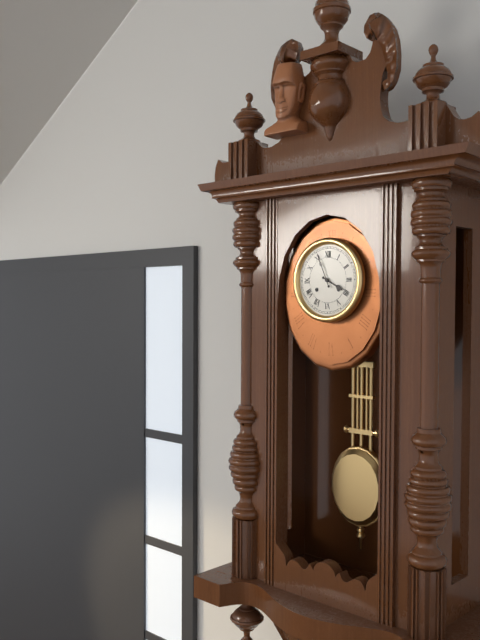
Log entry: 3:56
